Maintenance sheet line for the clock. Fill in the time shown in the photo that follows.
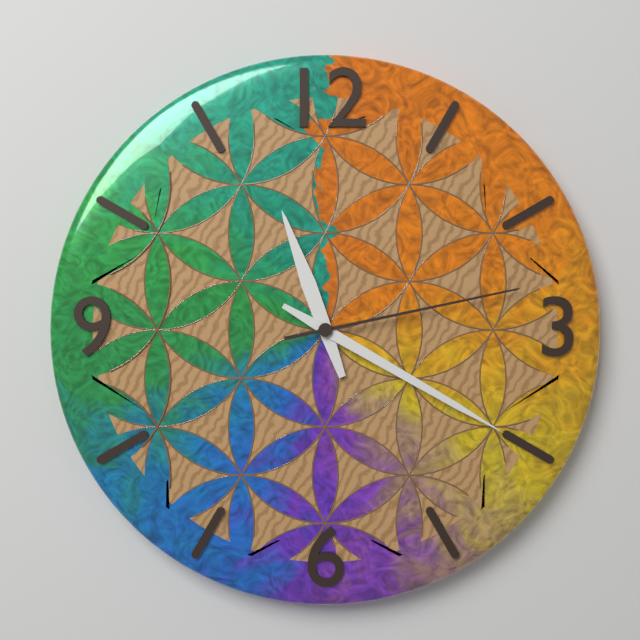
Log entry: 11:20:13
